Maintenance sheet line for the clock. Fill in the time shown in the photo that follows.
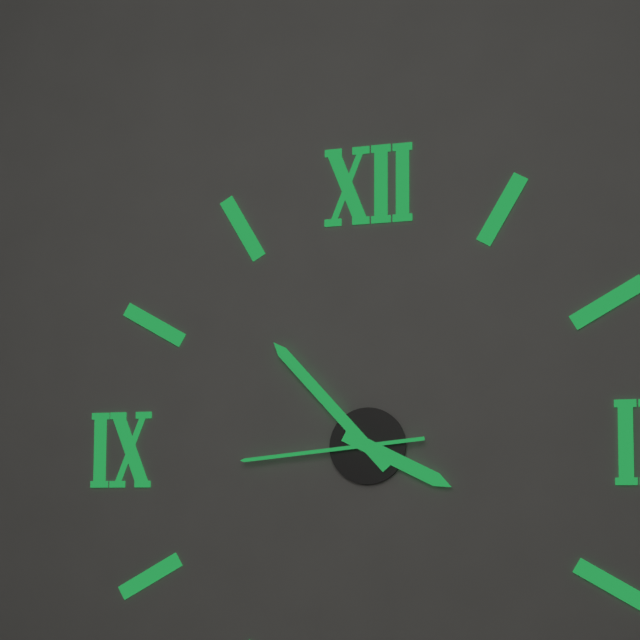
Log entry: 3:53:44
